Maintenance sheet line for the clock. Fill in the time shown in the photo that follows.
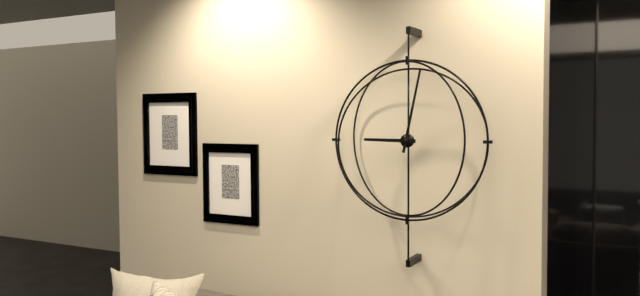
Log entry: 9:02
